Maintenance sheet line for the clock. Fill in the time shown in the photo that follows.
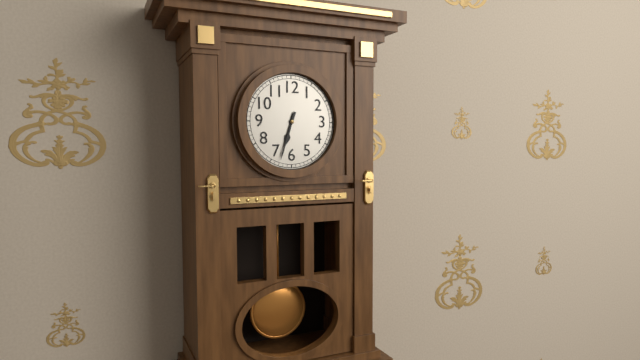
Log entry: 6:33
